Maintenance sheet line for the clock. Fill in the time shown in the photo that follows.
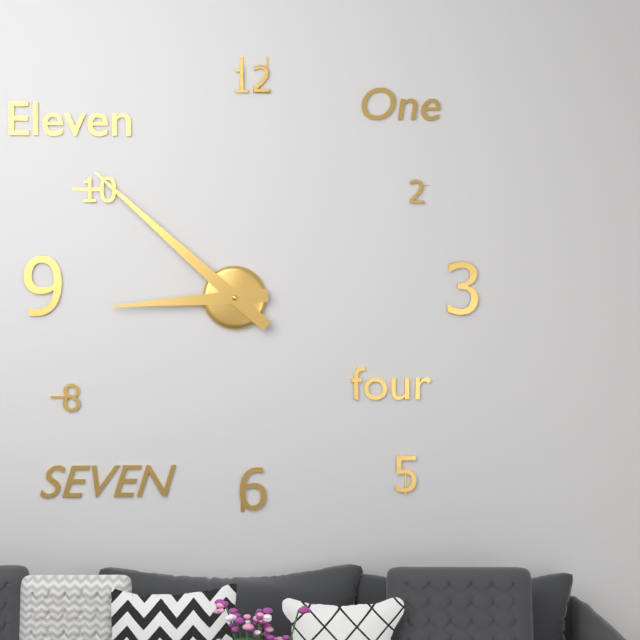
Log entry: 8:52
